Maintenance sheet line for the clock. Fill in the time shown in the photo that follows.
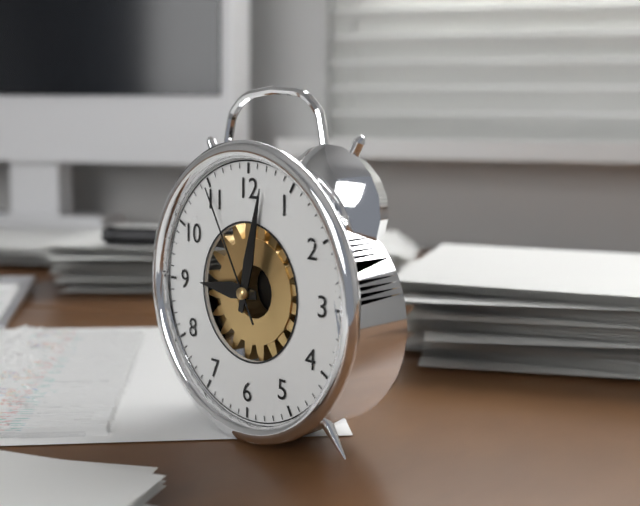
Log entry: 9:02:55
